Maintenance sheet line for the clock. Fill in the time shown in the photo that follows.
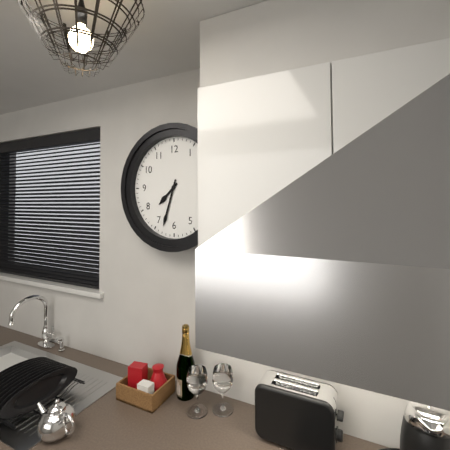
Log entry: 7:33
